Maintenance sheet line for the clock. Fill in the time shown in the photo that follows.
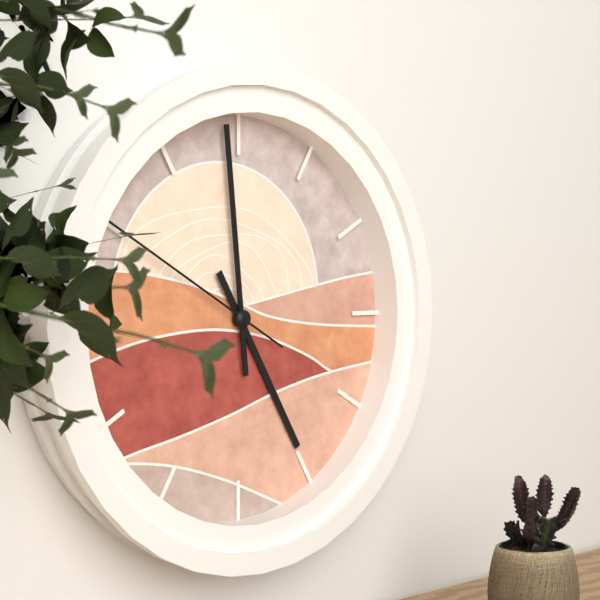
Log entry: 4:59
